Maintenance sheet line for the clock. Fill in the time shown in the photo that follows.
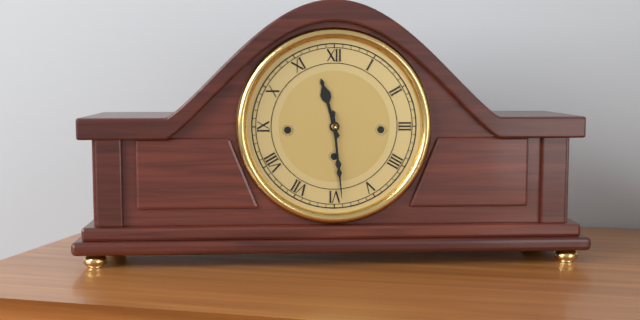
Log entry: 11:29
